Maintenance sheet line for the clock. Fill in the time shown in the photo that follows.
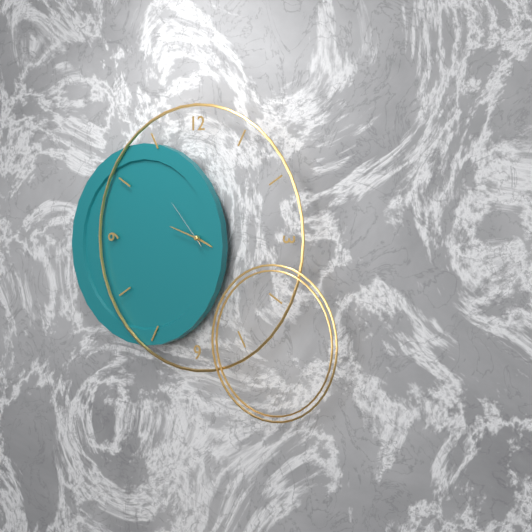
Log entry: 3:48:53
